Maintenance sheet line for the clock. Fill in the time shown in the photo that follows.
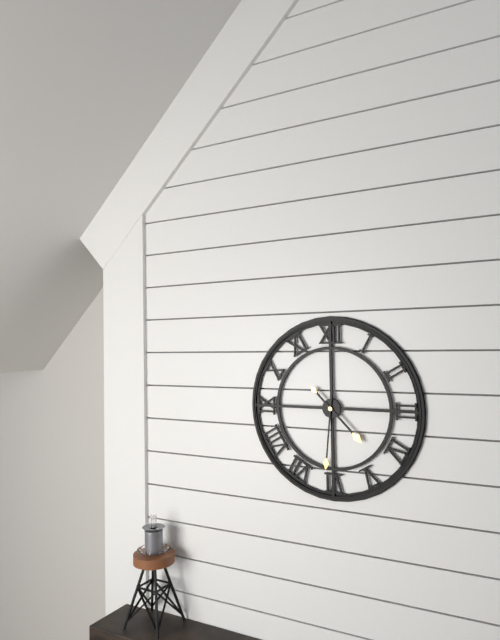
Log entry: 4:31
